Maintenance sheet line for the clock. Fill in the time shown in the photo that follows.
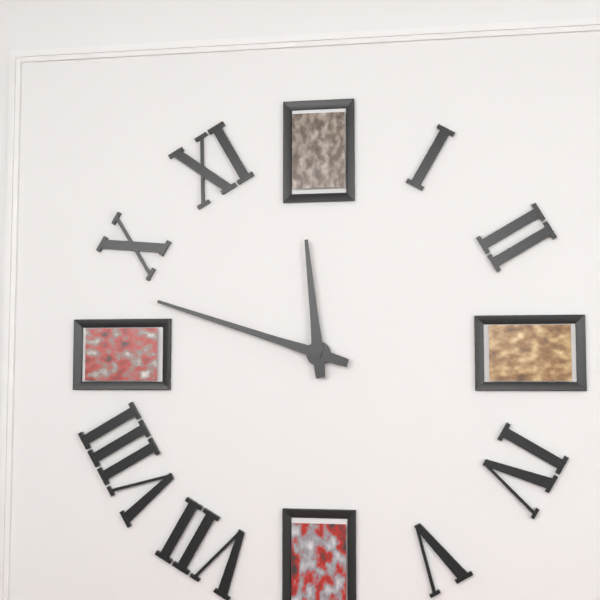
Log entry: 11:48
